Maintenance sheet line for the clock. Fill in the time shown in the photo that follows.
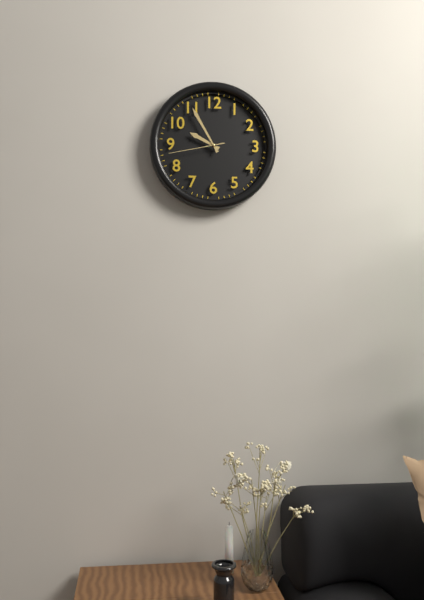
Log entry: 9:55:43
